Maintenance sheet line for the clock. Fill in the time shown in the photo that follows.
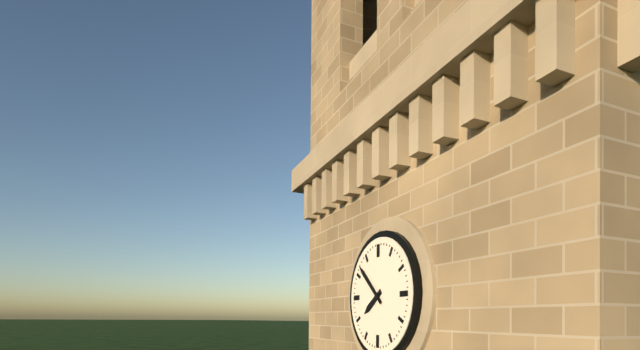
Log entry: 7:52
